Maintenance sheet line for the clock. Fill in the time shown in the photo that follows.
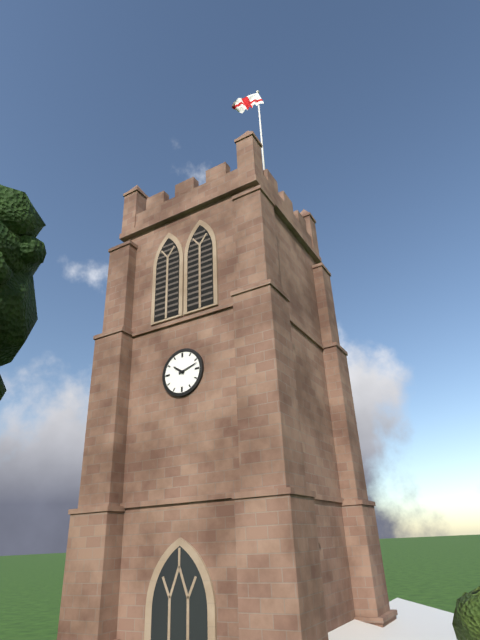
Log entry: 10:12
